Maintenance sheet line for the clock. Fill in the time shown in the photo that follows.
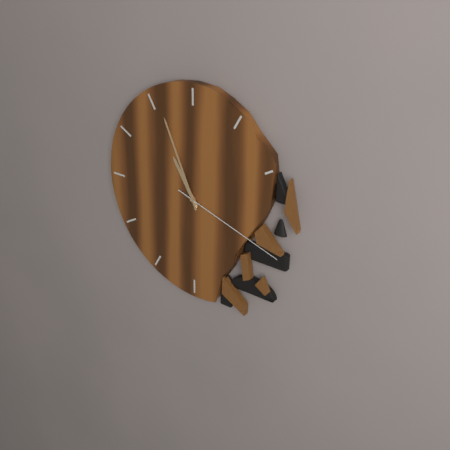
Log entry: 10:56:18
